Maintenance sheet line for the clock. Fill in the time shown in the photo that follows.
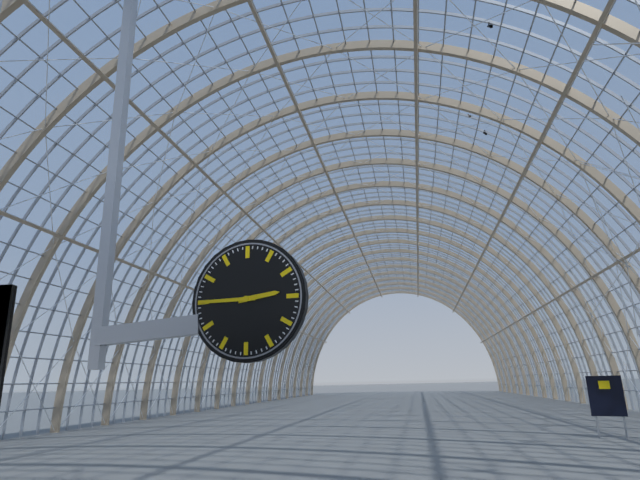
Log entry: 2:45
